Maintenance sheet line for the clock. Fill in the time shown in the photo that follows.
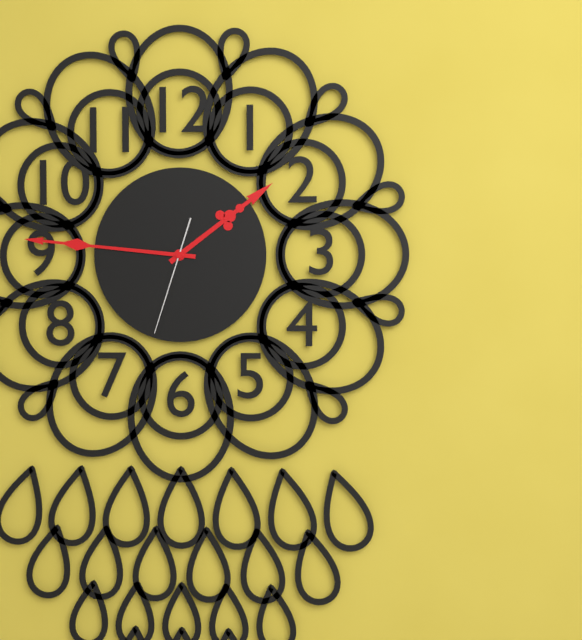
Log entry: 1:46:33
